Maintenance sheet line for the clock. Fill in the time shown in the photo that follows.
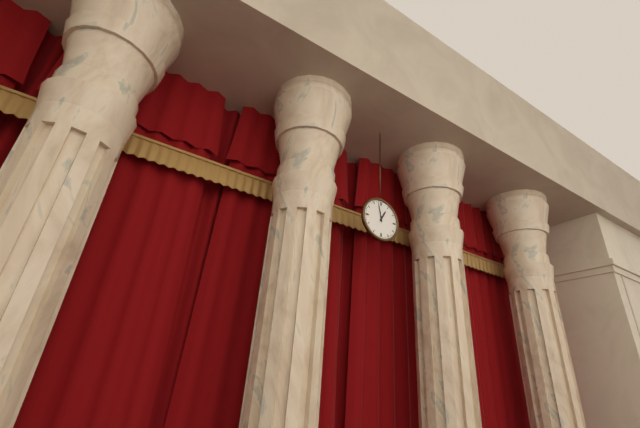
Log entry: 12:58
